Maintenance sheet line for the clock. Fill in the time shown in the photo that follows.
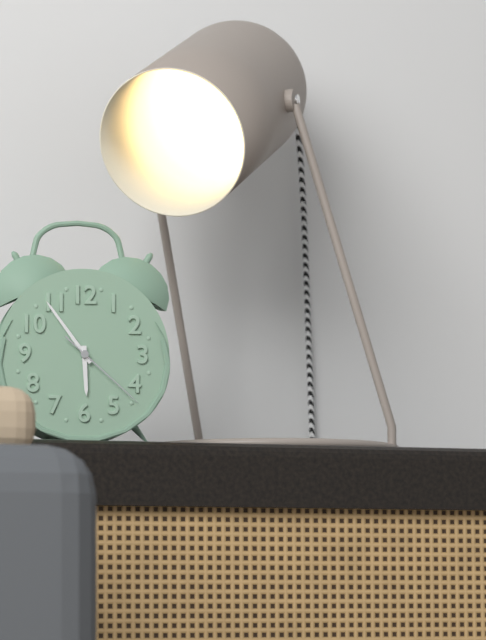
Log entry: 5:54:22
